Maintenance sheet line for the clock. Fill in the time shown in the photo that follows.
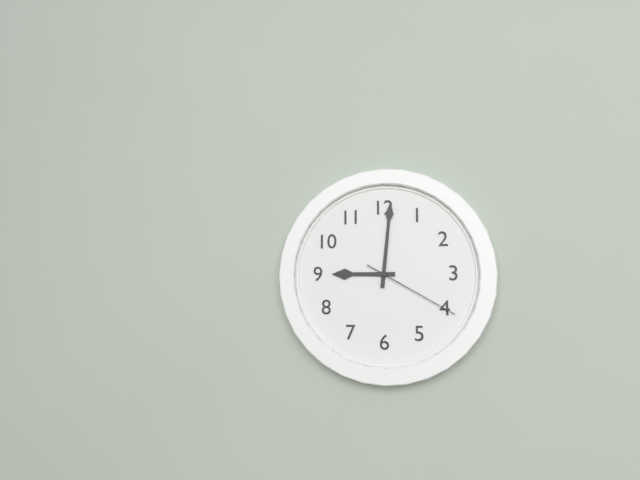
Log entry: 9:01:20
